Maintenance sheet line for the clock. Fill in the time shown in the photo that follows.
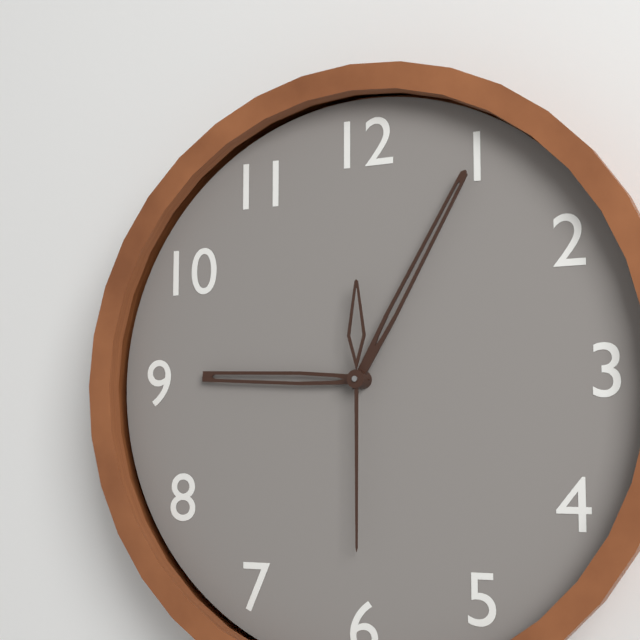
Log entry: 9:05:30
